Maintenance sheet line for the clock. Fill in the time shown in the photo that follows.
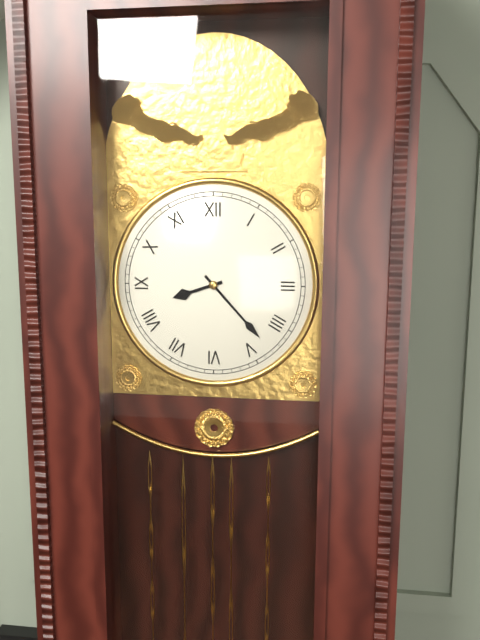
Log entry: 8:23
